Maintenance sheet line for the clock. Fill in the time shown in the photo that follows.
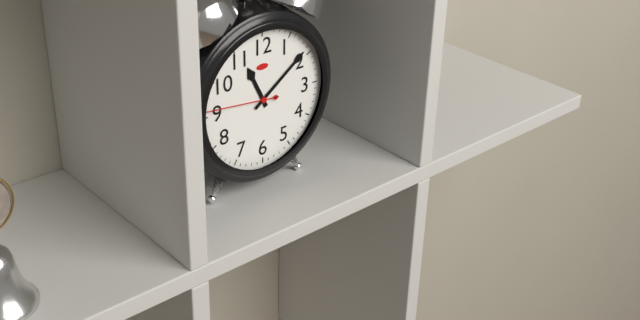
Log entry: 11:09:46
